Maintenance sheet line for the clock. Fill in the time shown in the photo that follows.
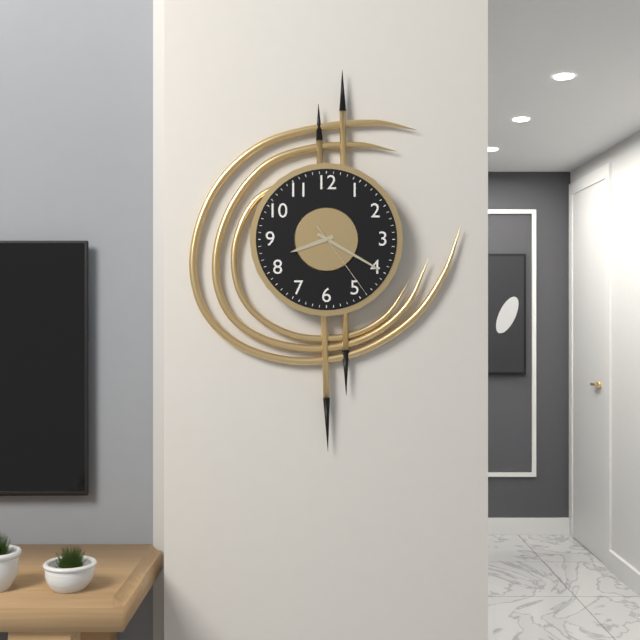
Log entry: 8:20:24
